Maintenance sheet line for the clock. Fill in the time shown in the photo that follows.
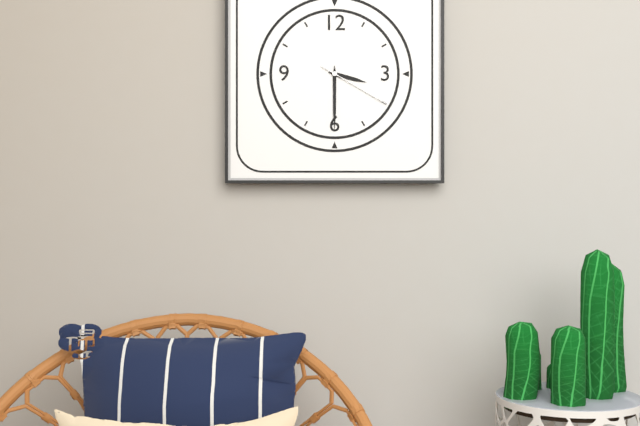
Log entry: 3:30:20
